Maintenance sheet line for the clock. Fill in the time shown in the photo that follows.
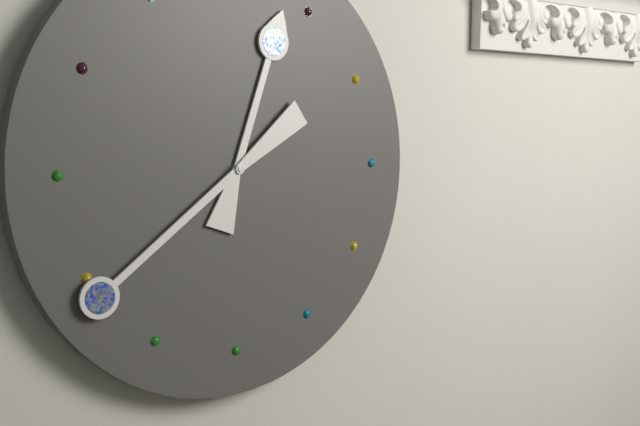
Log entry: 12:39
